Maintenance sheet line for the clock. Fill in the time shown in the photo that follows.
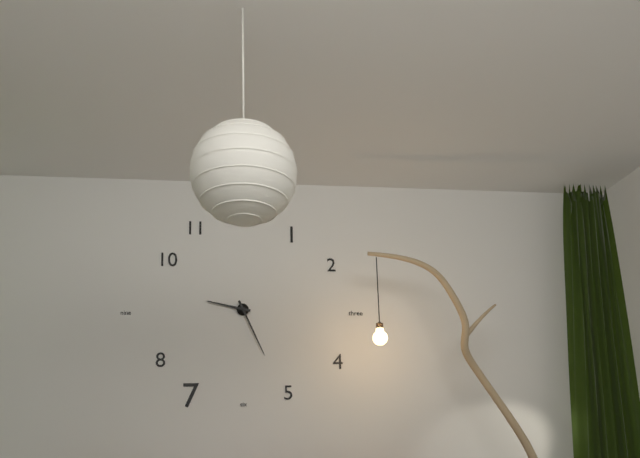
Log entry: 9:26
